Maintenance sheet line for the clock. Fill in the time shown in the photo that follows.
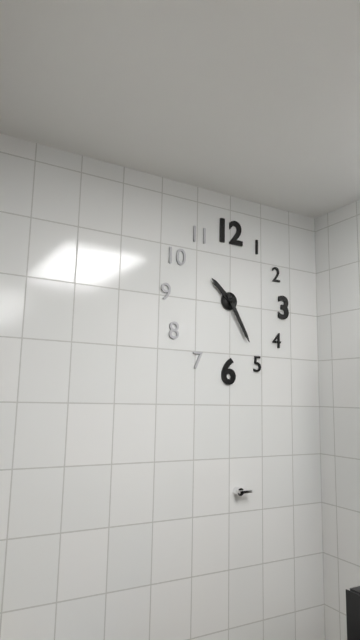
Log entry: 10:25
